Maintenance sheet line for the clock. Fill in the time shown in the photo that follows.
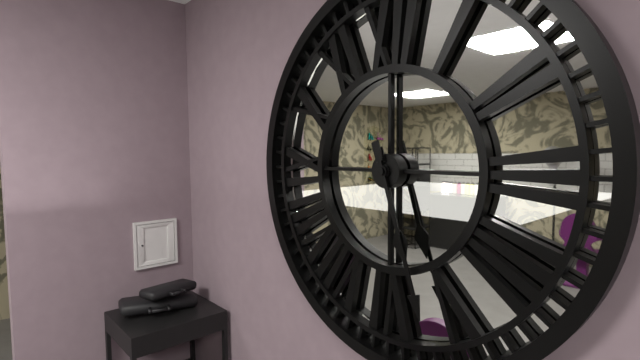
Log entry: 5:27
